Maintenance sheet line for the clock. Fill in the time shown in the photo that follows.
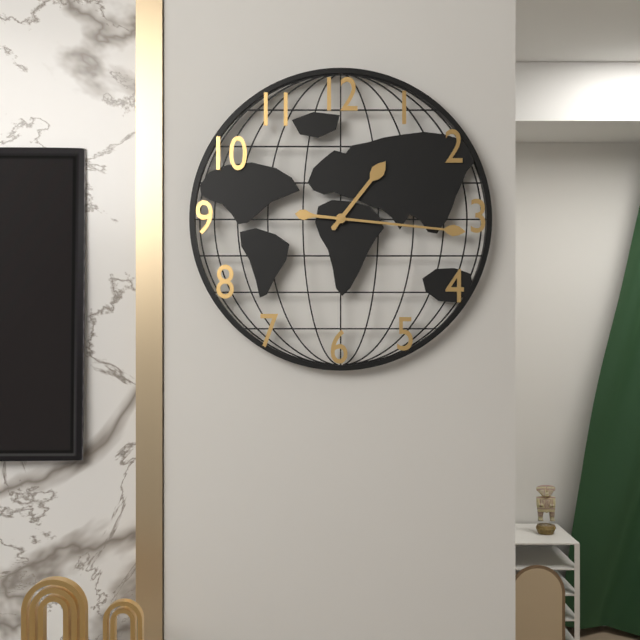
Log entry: 1:16
